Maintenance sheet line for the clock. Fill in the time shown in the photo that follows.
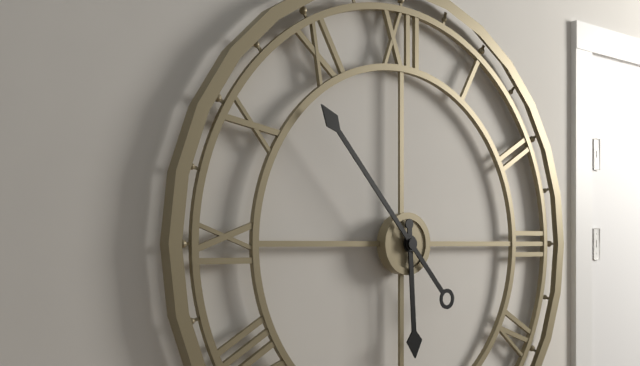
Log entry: 5:53
